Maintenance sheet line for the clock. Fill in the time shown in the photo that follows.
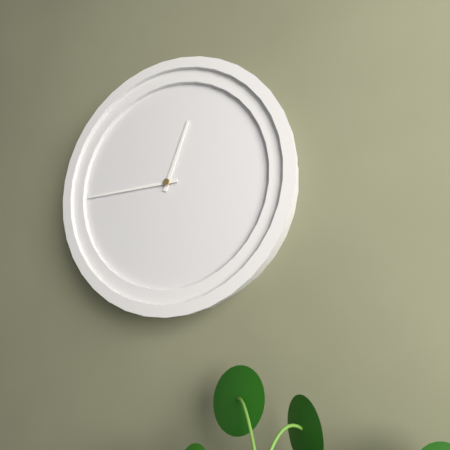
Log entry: 12:45
